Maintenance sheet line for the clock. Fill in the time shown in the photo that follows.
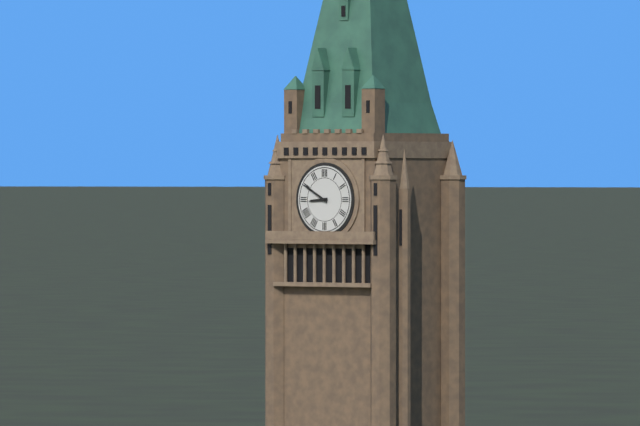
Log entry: 8:50
